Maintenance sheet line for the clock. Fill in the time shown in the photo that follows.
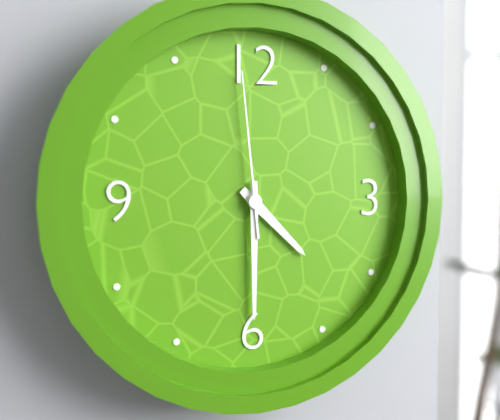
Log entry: 4:30:59
